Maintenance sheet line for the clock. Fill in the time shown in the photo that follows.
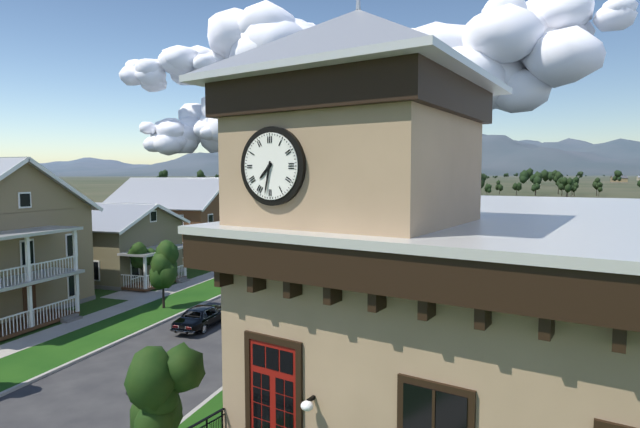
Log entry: 7:32
